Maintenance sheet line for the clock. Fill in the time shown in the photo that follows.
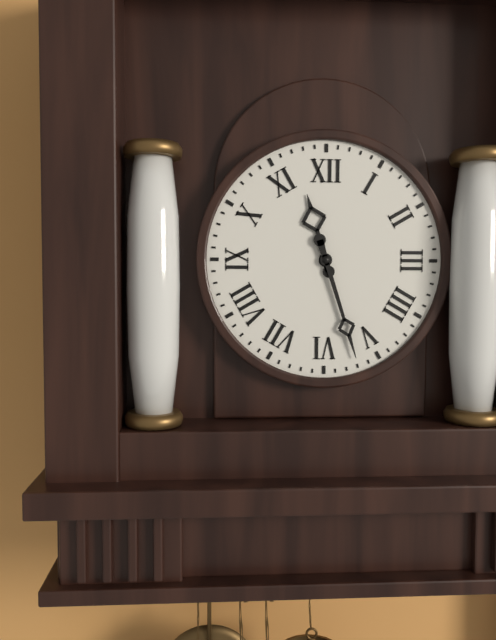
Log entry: 11:27
